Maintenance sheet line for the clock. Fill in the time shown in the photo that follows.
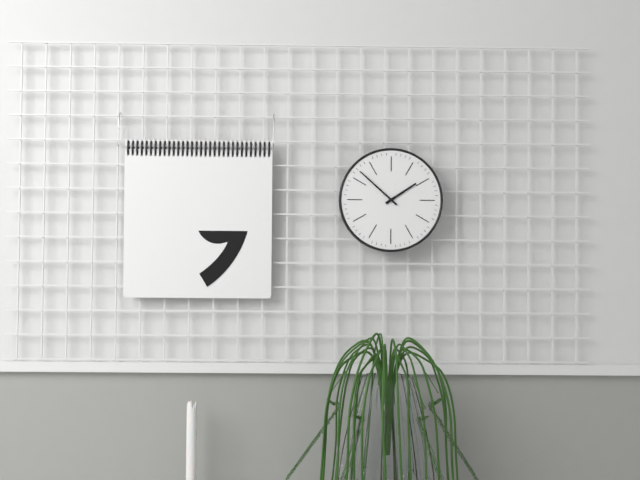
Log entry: 1:52
